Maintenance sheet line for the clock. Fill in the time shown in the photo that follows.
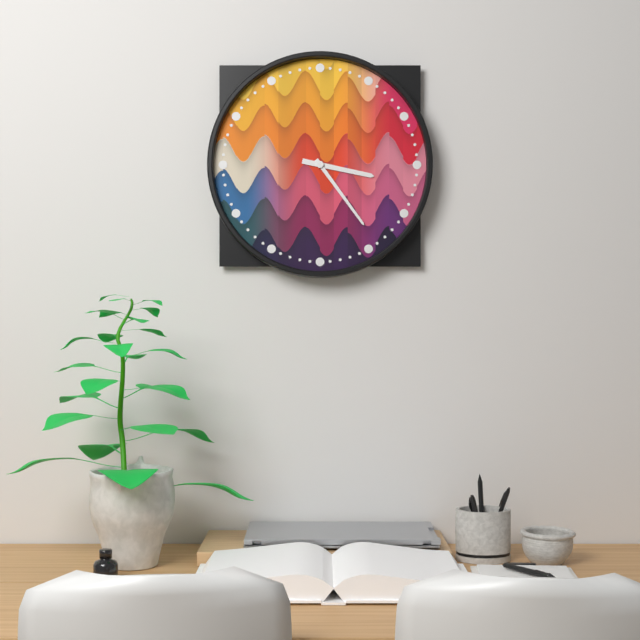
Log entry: 3:24
